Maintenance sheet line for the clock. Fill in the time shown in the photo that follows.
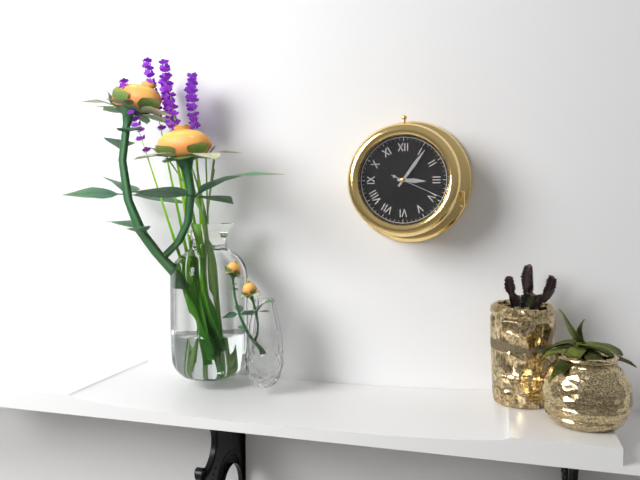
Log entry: 3:06:19
